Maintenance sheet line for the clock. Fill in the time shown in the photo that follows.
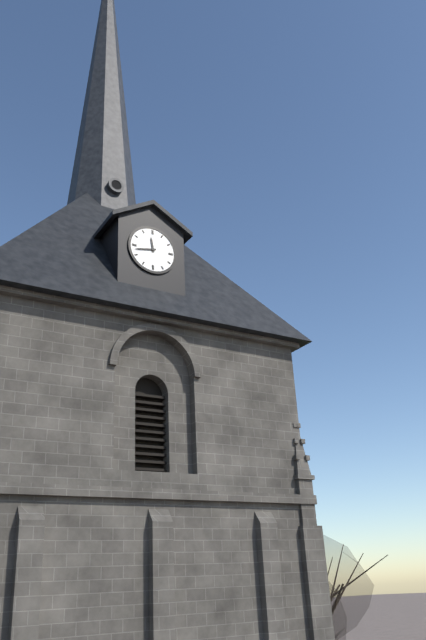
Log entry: 11:43
